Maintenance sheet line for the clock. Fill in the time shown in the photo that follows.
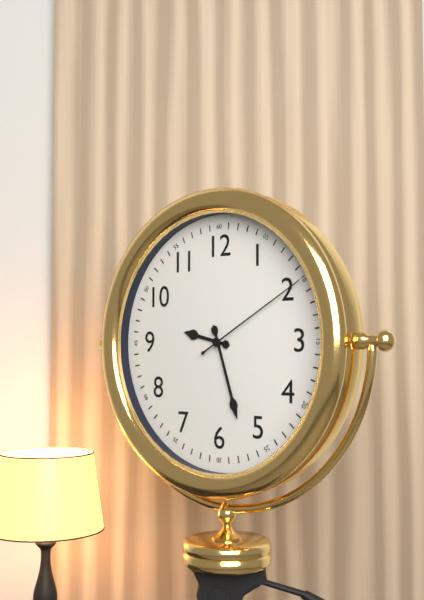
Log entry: 9:27:10
